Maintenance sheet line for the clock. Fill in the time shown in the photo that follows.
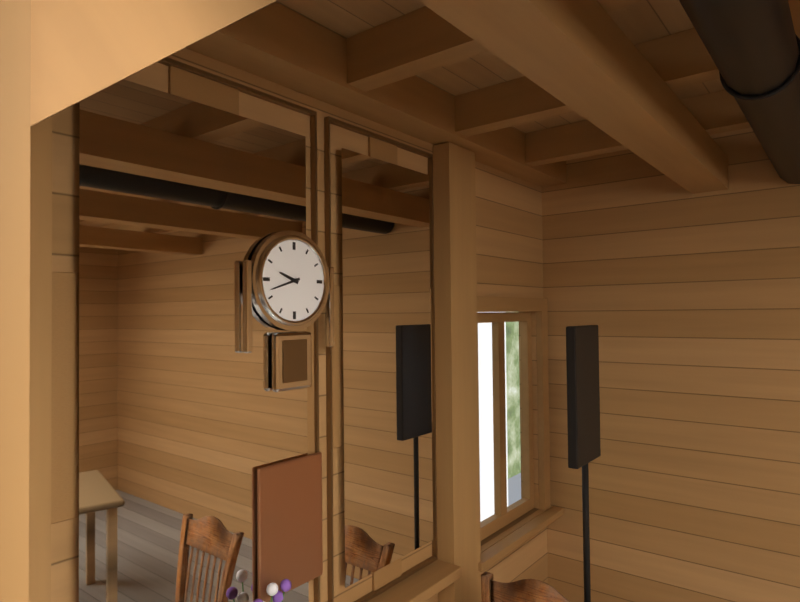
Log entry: 9:42
